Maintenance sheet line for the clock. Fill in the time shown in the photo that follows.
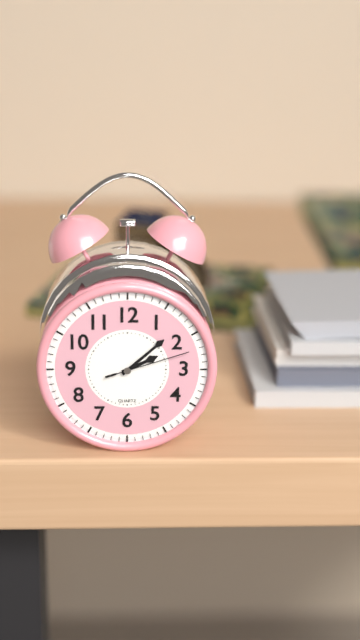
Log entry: 2:08:12
